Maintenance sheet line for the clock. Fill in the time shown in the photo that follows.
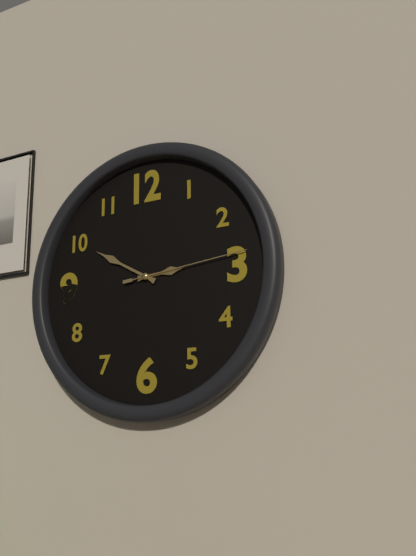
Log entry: 2:50:14
